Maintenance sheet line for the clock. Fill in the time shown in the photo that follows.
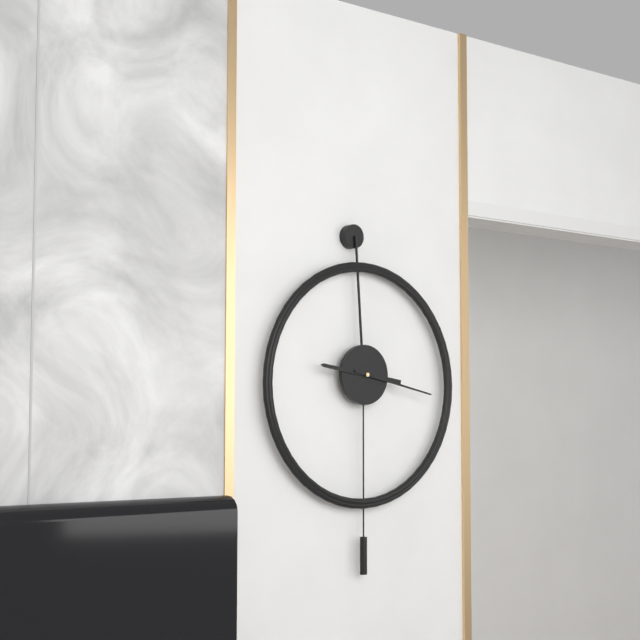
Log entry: 9:17
